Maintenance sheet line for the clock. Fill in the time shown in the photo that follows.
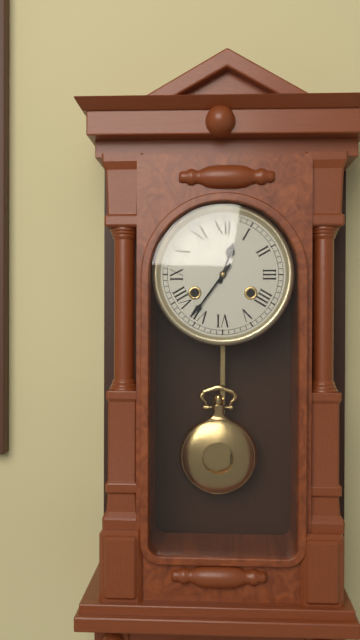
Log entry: 12:36
